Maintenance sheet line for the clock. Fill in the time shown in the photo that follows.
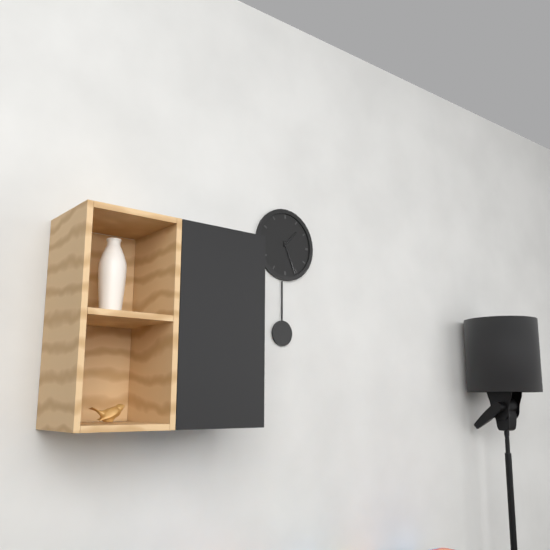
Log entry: 1:26
